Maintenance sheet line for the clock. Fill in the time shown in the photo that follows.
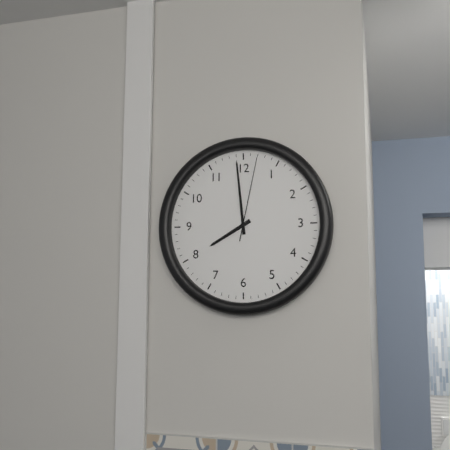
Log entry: 7:59:02
